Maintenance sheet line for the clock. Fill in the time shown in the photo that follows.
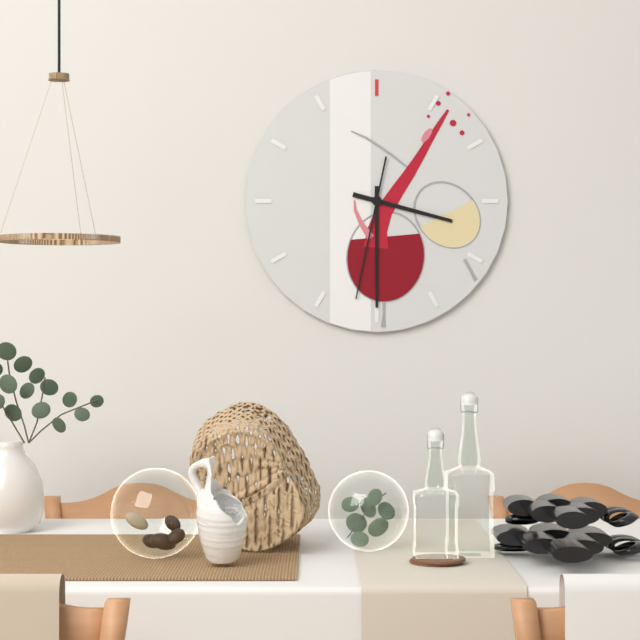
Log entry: 3:30:32
